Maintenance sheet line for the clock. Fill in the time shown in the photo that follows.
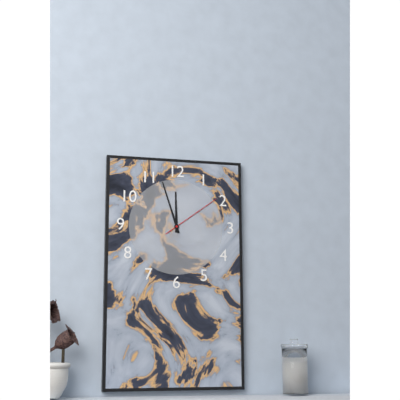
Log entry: 11:57:09
